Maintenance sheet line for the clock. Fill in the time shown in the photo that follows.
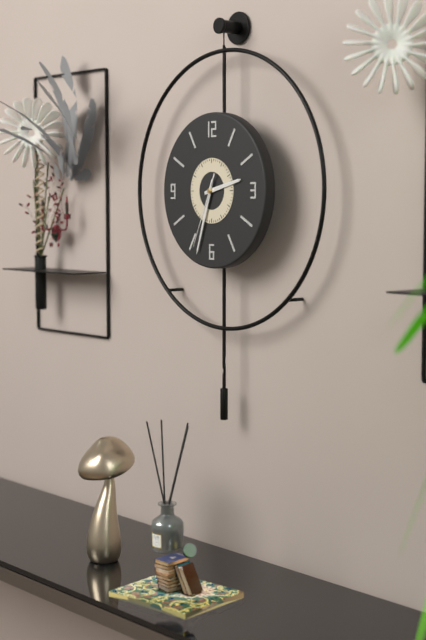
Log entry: 2:33:34
